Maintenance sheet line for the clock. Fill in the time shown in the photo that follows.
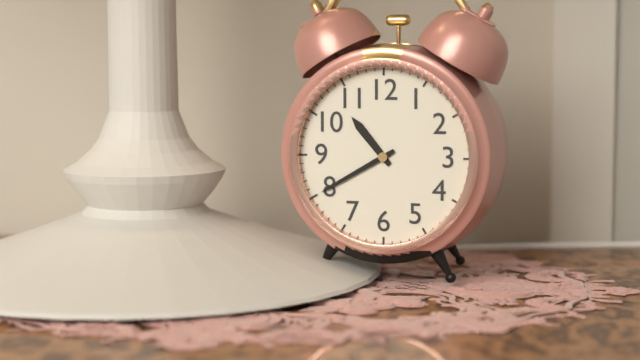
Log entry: 10:40
